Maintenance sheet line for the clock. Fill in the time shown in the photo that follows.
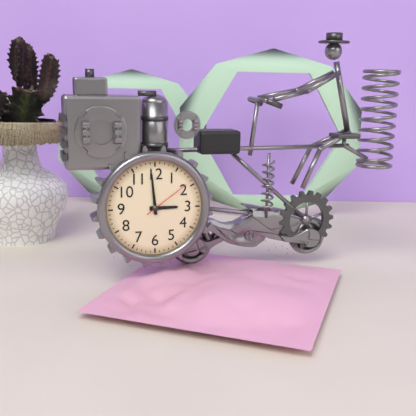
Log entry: 2:59:09
